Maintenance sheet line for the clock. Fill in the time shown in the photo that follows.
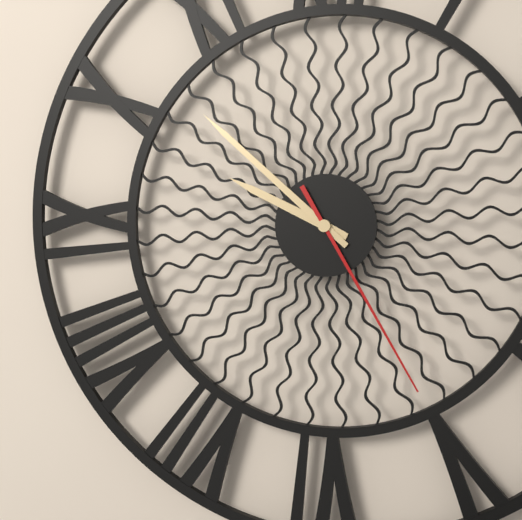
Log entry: 9:52:25
